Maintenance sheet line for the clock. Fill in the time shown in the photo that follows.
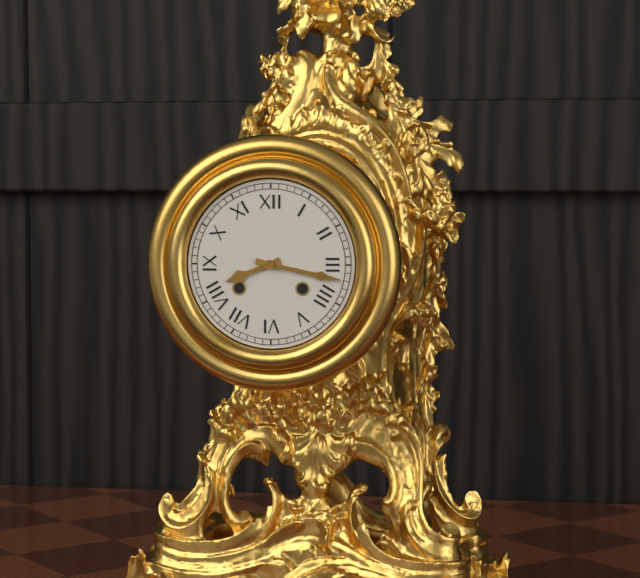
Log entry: 8:17
